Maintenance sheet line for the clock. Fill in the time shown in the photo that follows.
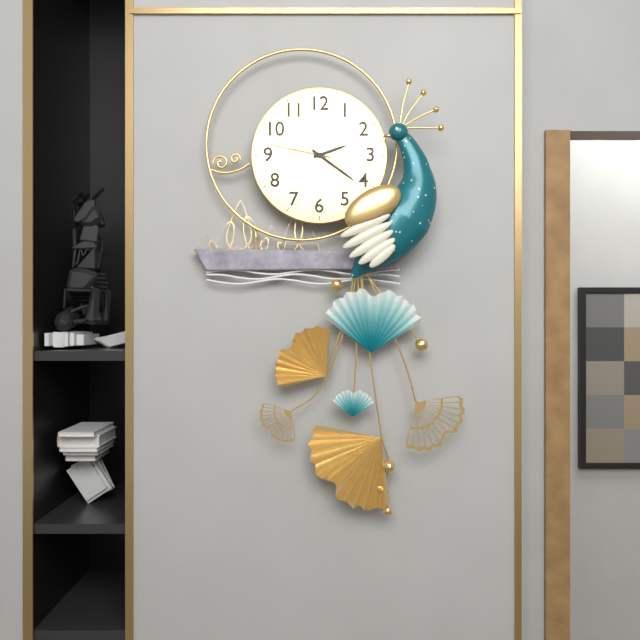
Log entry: 2:21:47
